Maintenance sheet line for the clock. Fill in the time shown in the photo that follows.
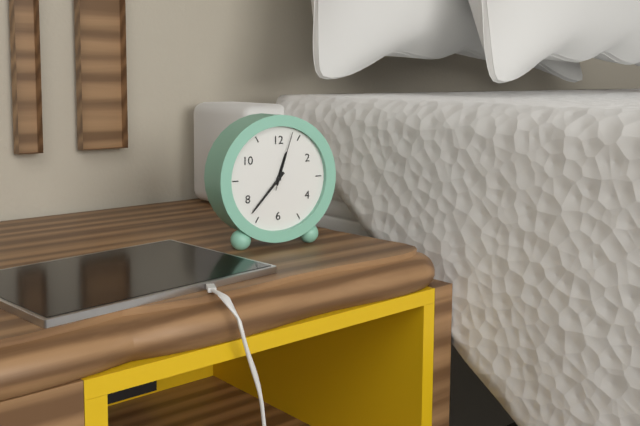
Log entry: 12:37:03
